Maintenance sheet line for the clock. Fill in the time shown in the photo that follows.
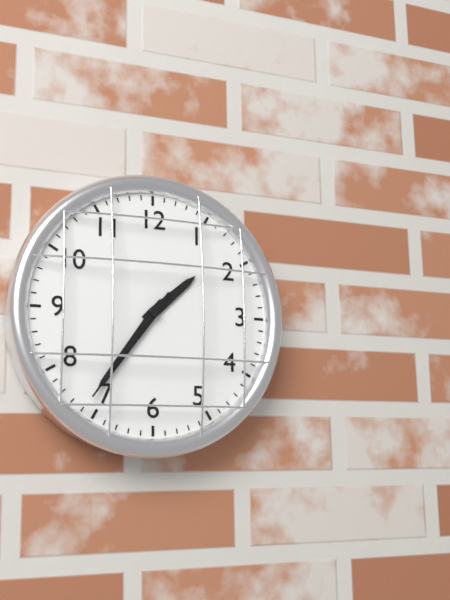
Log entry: 1:36:36
